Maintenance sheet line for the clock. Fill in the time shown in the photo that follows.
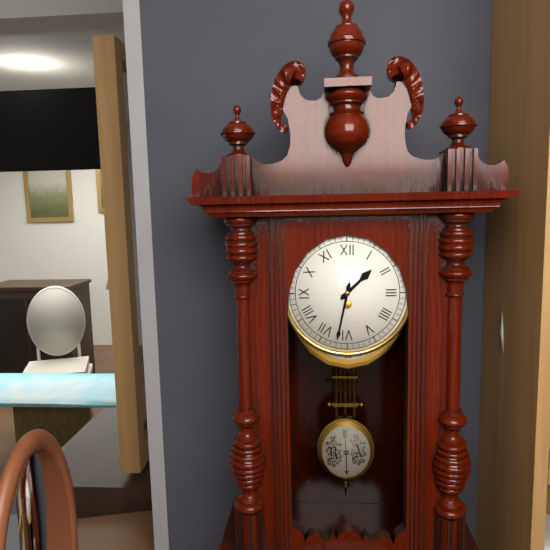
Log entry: 1:32
